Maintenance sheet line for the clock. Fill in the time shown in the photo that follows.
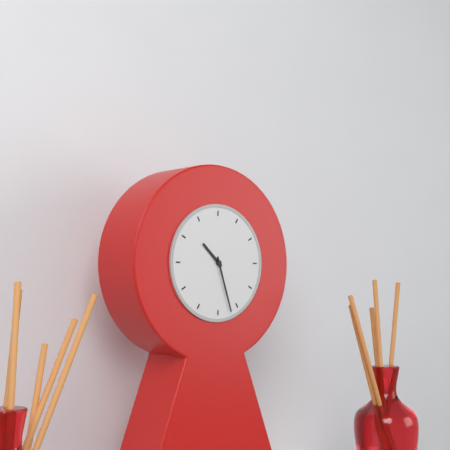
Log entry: 10:27
